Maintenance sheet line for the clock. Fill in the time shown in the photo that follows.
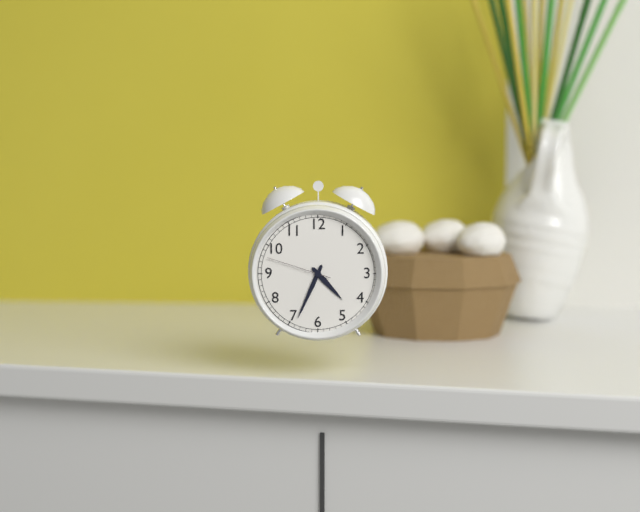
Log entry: 4:34:48
